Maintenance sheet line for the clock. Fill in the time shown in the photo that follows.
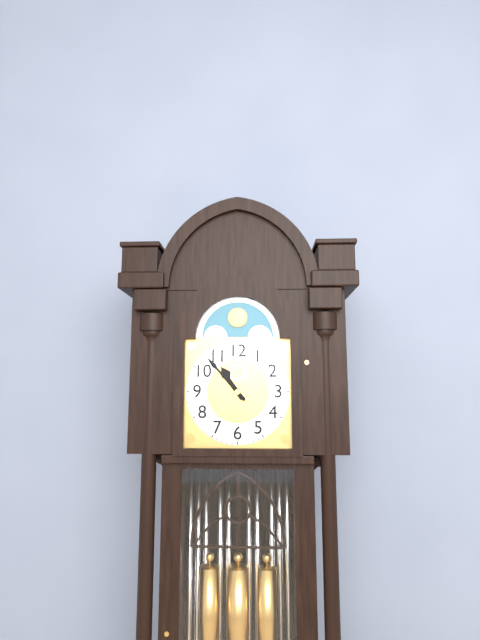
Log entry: 10:53
